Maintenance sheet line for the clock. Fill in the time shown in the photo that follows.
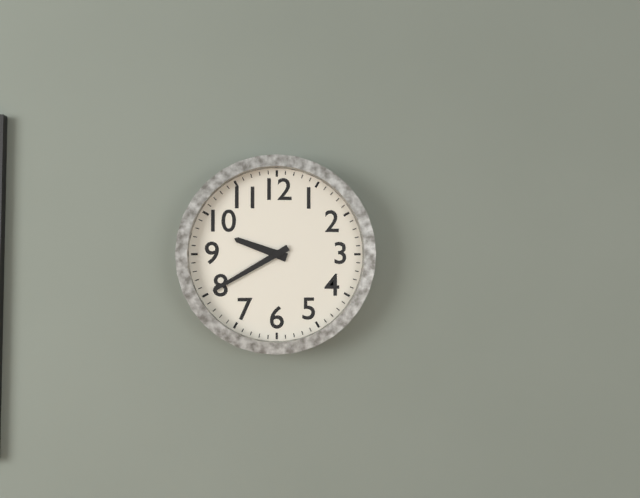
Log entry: 9:40
